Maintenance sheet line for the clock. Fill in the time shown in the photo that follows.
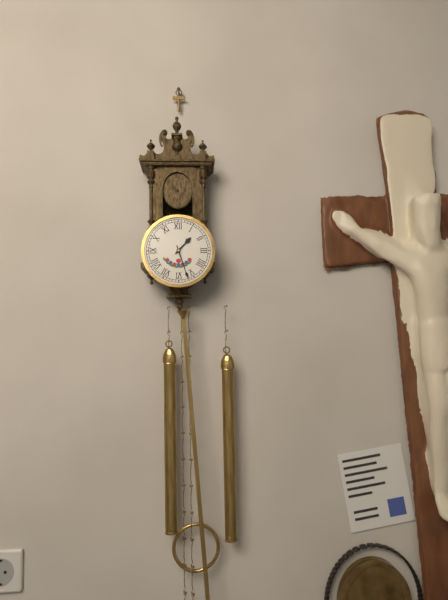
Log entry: 1:27
